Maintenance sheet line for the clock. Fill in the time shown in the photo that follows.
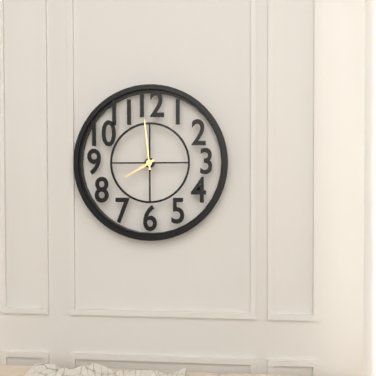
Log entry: 7:59
